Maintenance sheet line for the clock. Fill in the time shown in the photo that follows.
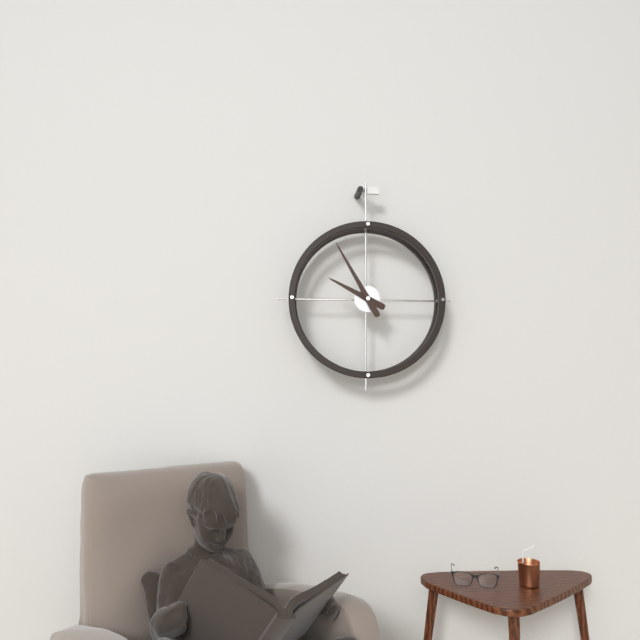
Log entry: 9:55
